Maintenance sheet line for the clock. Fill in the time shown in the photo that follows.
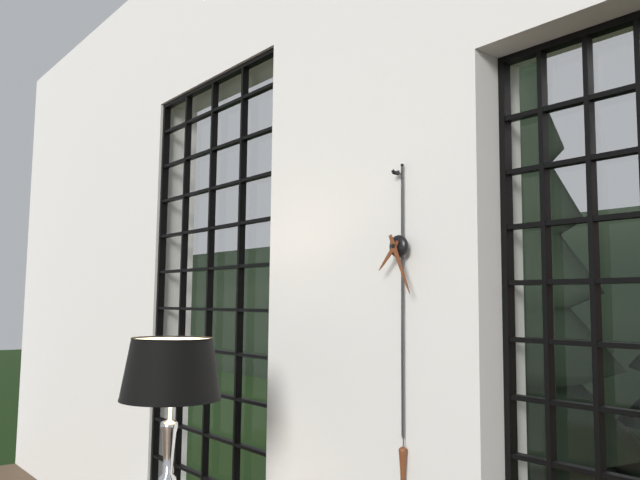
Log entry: 7:26
